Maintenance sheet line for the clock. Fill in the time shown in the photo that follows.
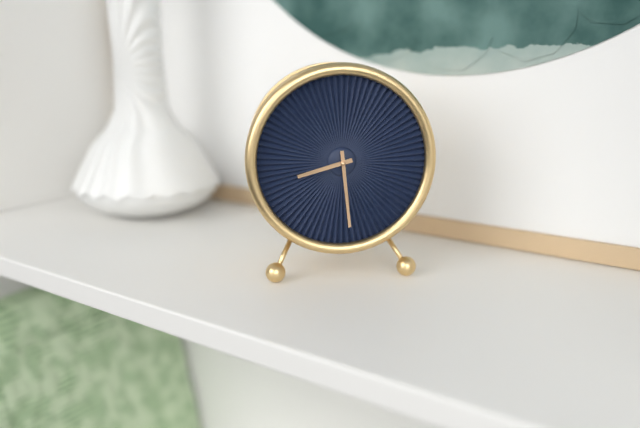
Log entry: 8:29
